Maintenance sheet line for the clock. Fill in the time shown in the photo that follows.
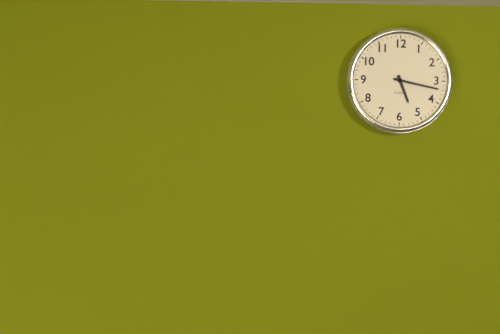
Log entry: 5:17
